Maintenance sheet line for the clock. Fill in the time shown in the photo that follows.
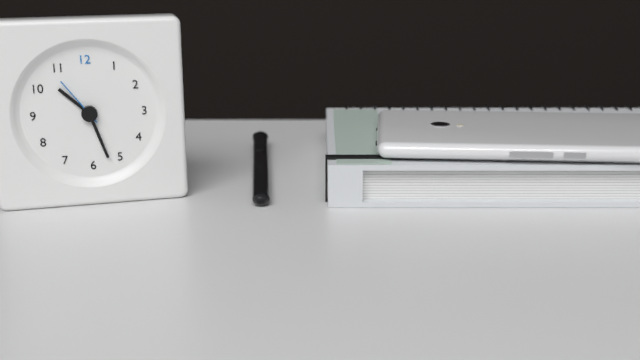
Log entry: 10:27:54
